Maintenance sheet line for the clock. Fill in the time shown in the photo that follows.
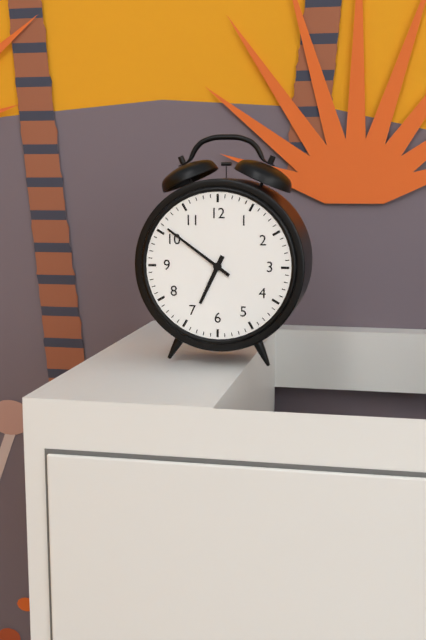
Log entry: 6:51
